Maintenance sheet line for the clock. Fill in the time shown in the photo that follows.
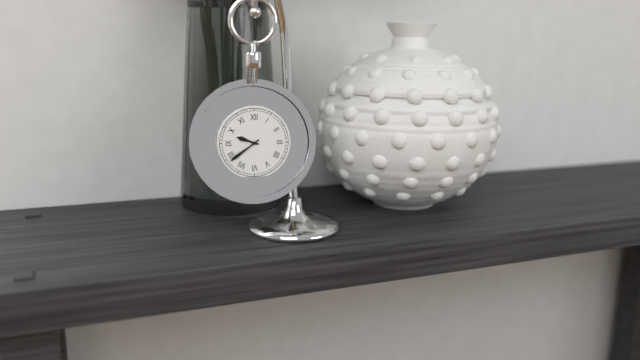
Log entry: 9:39
